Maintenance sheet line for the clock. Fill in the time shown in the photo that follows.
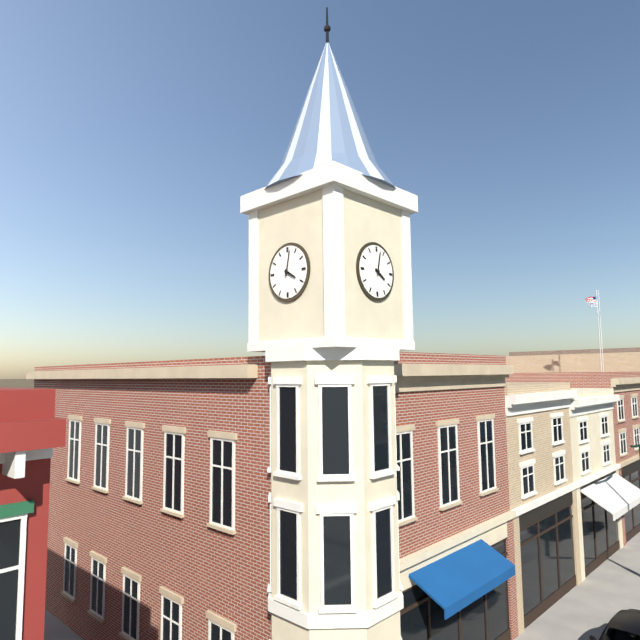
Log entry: 4:02
